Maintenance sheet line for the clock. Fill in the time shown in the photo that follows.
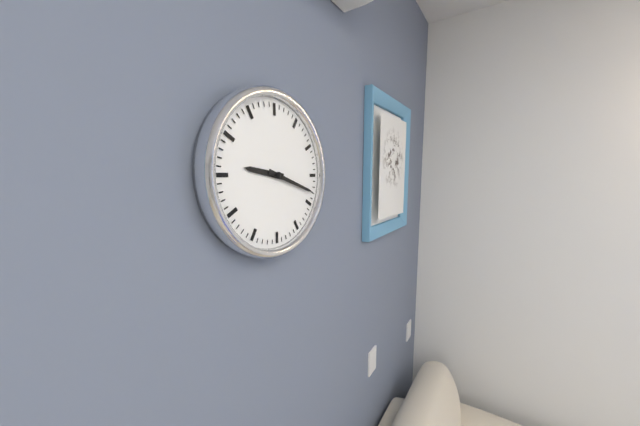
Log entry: 9:18
